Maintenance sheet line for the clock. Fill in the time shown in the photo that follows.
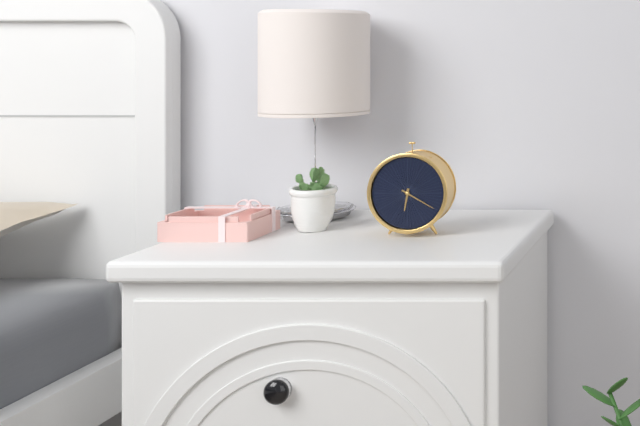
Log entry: 6:20
